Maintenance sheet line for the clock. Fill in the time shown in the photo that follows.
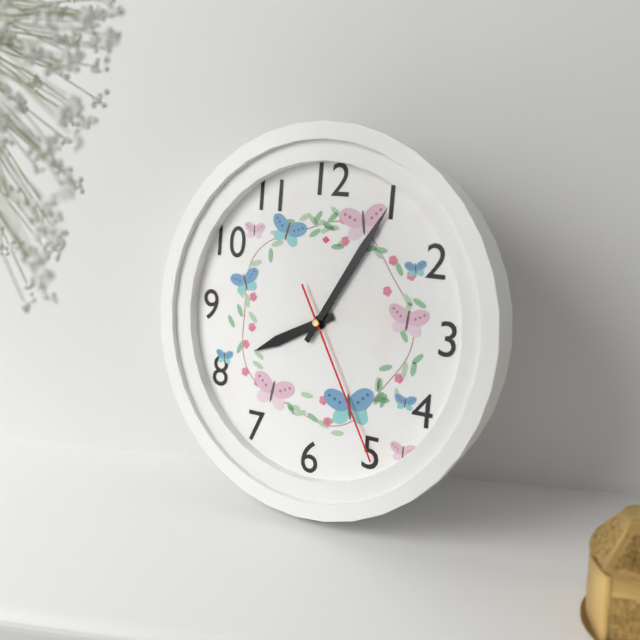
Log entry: 8:05:25
